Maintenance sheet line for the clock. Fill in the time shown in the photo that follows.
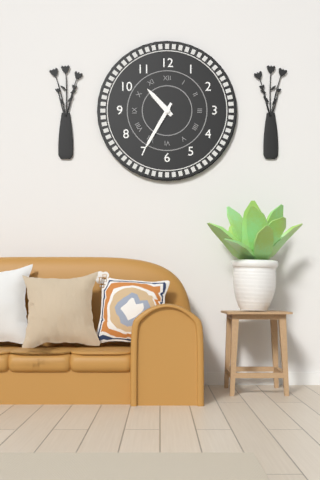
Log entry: 10:35
